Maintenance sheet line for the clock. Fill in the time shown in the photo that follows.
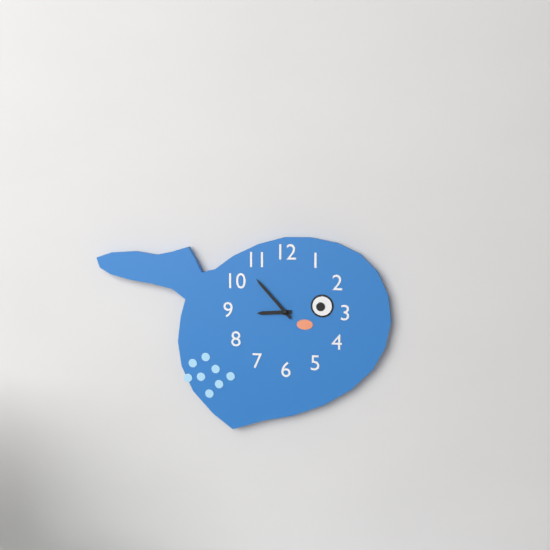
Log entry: 8:53
